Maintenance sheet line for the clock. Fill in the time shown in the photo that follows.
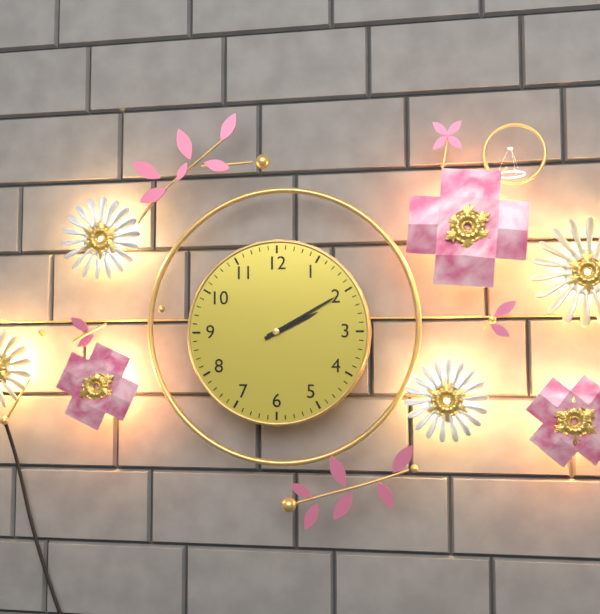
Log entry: 2:10
